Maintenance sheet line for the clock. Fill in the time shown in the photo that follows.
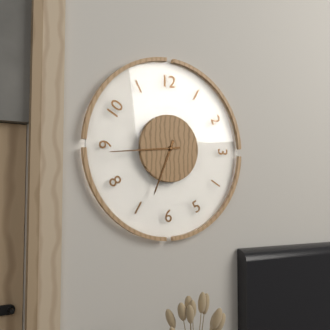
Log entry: 6:44
